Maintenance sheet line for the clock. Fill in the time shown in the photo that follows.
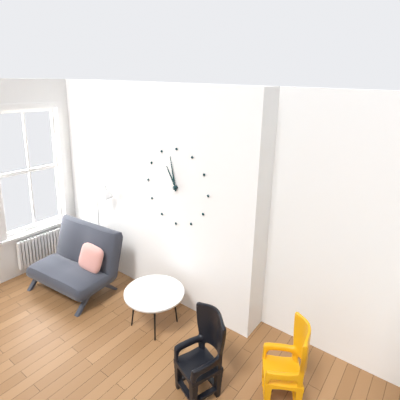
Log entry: 10:58
